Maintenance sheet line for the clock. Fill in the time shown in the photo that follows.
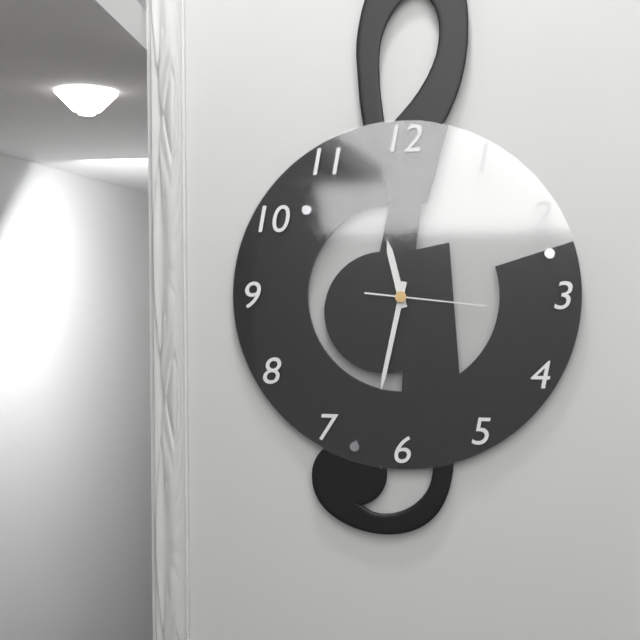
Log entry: 11:32:16
